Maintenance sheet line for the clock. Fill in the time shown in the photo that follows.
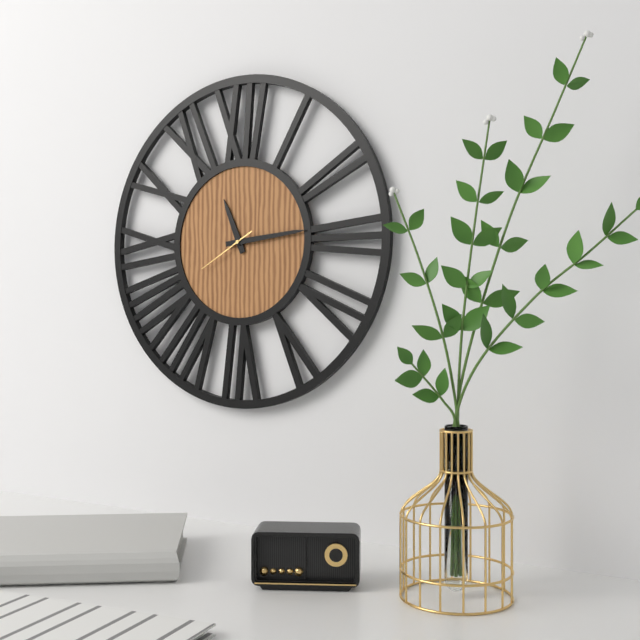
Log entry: 11:14:40
